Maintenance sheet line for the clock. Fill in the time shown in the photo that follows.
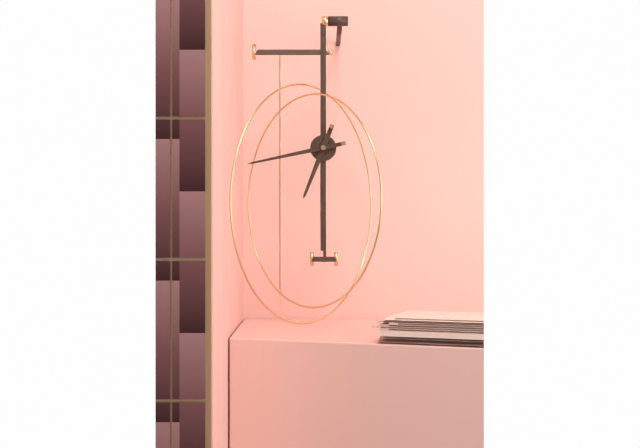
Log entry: 6:43
